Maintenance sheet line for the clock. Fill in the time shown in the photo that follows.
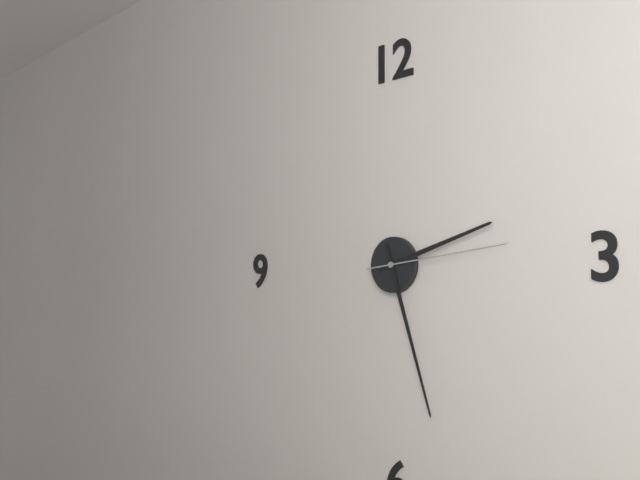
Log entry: 2:27:14
